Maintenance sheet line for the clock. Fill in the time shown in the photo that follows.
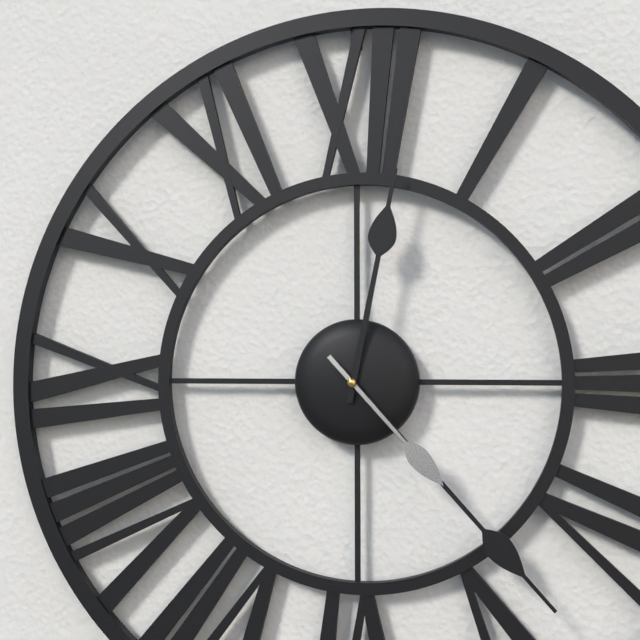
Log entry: 12:23:23
